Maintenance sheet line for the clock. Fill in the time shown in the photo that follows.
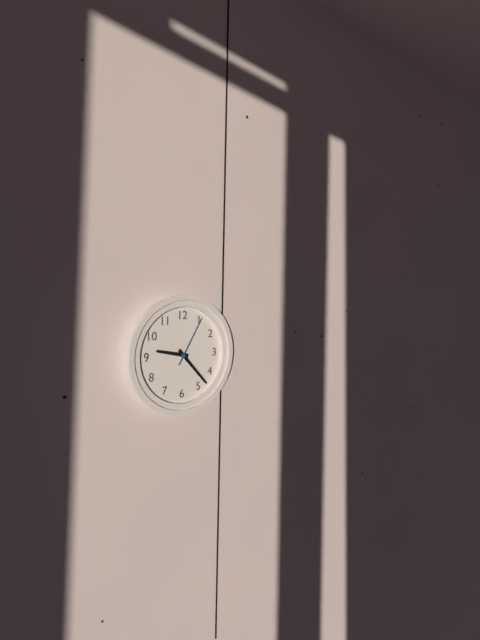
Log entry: 9:23:05
